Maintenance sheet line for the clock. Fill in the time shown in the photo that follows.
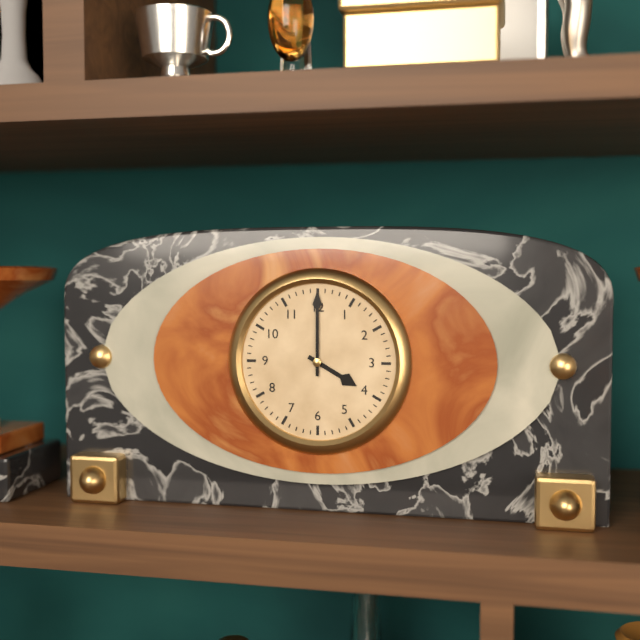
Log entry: 4:00
